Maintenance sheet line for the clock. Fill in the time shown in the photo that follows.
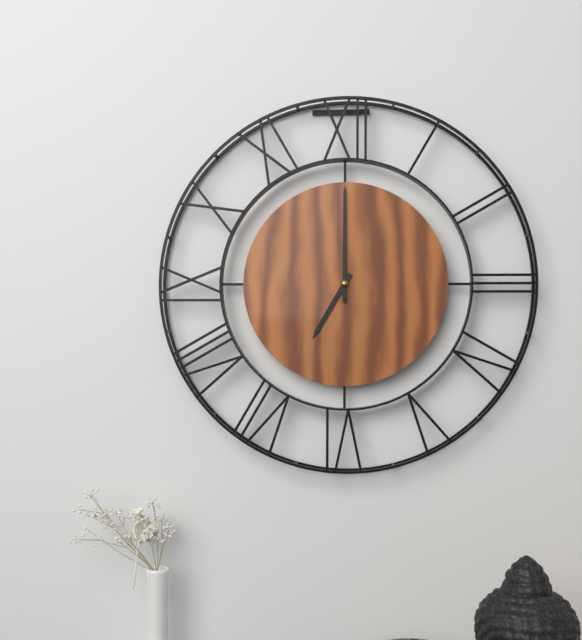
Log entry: 7:00
